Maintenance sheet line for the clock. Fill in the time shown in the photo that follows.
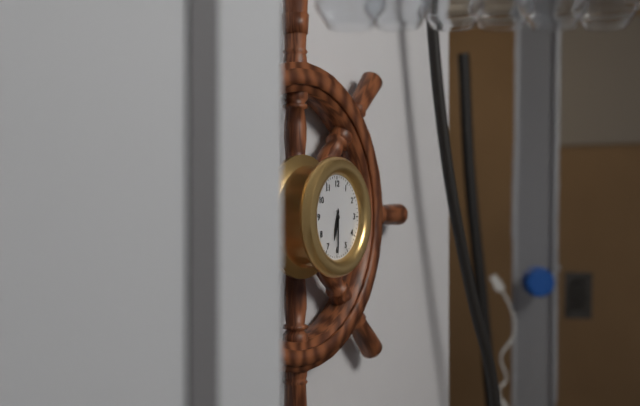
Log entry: 6:30
